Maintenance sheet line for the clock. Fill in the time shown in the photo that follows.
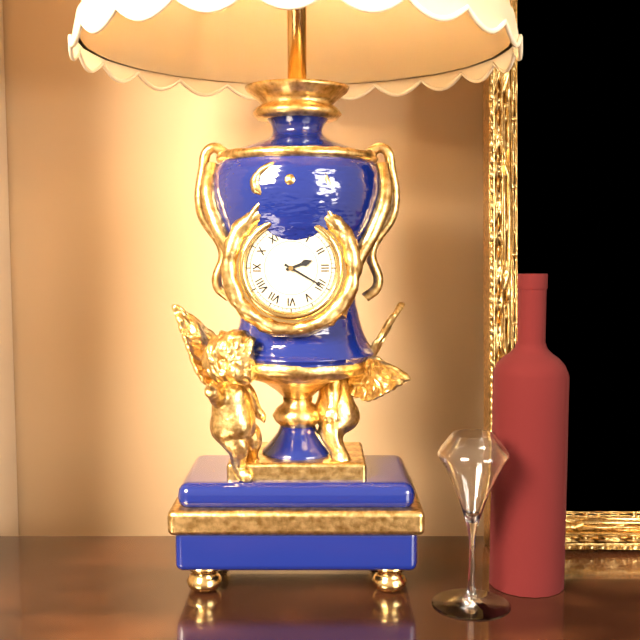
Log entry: 2:20
